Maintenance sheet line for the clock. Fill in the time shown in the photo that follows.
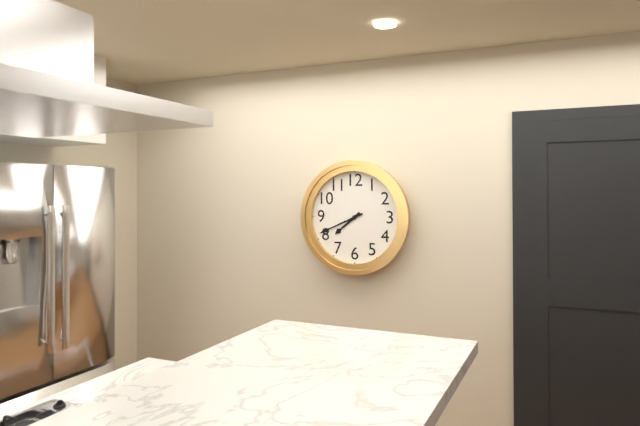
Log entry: 7:41
